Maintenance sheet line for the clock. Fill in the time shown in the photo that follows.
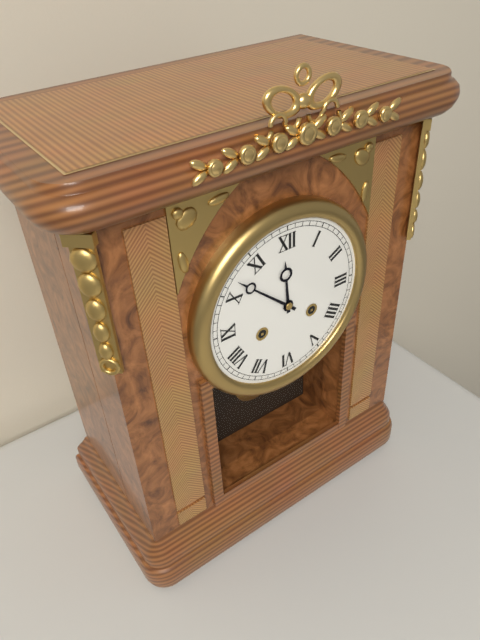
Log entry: 11:52
